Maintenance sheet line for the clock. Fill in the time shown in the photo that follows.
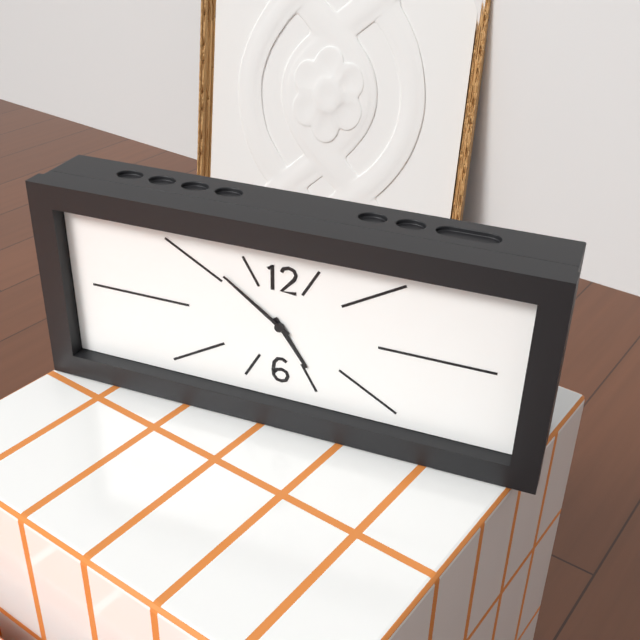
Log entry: 4:51
